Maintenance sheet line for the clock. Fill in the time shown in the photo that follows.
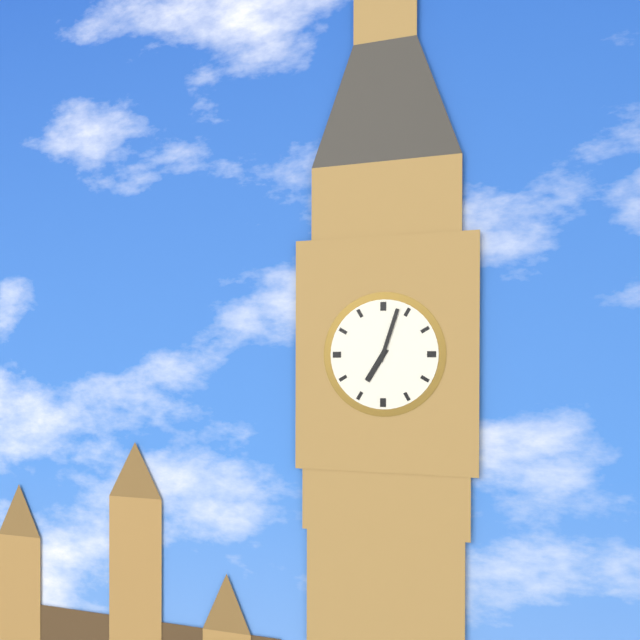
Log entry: 7:03
